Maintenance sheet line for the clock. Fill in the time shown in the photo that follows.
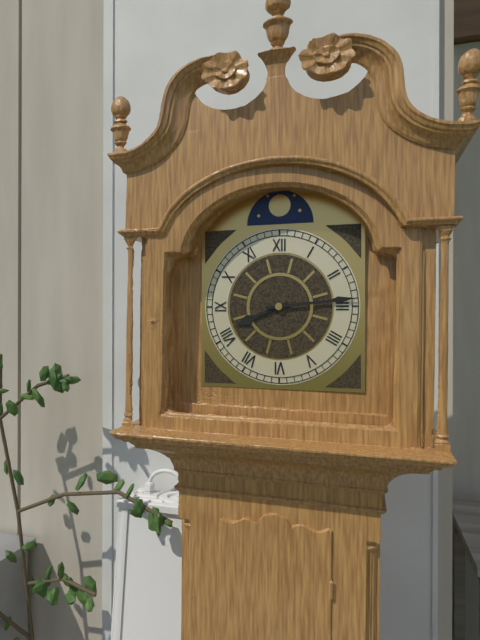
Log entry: 8:14
